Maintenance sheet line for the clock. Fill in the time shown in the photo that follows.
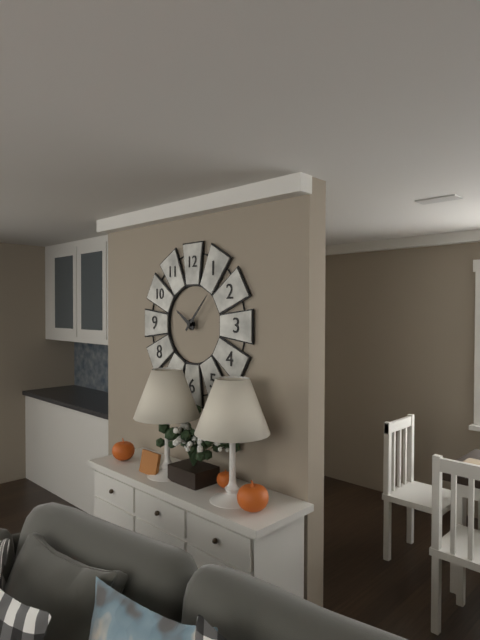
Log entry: 10:07
